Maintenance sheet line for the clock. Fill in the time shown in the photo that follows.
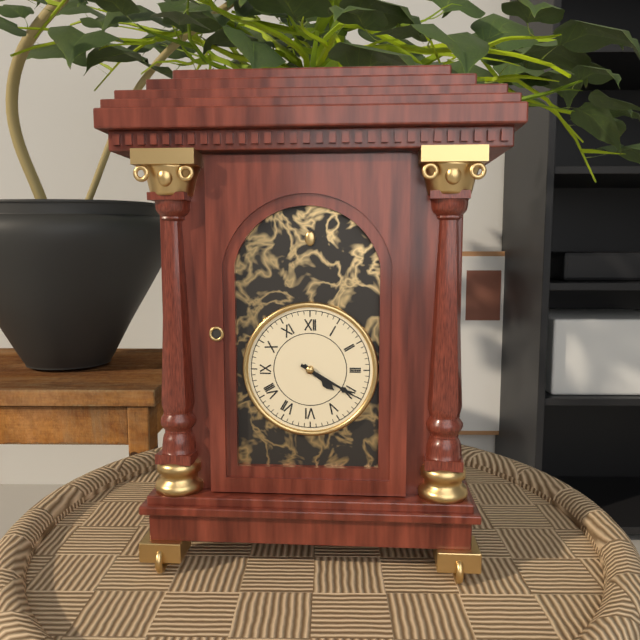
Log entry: 4:20
